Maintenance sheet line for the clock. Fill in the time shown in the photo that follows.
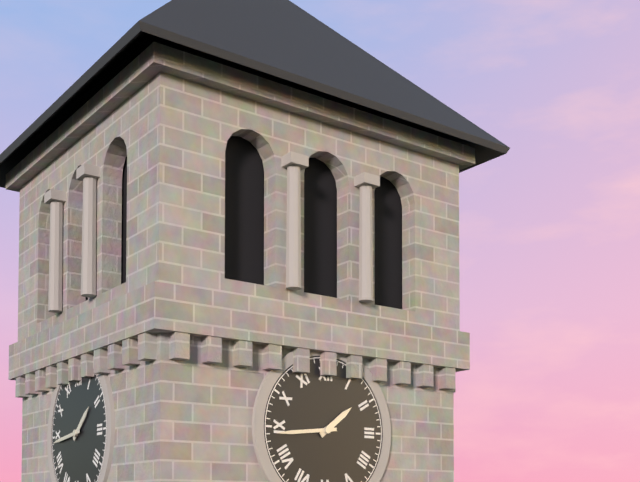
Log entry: 1:44
